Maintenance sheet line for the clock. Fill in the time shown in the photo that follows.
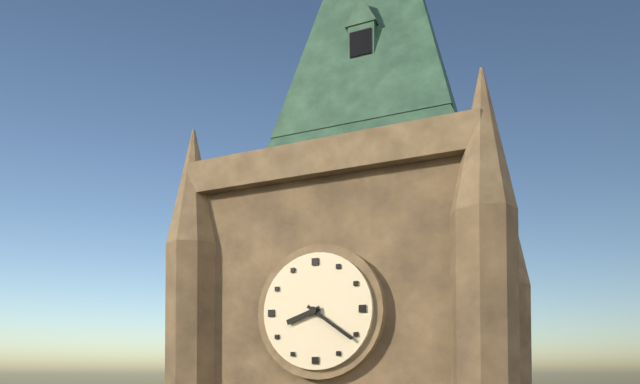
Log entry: 8:21
